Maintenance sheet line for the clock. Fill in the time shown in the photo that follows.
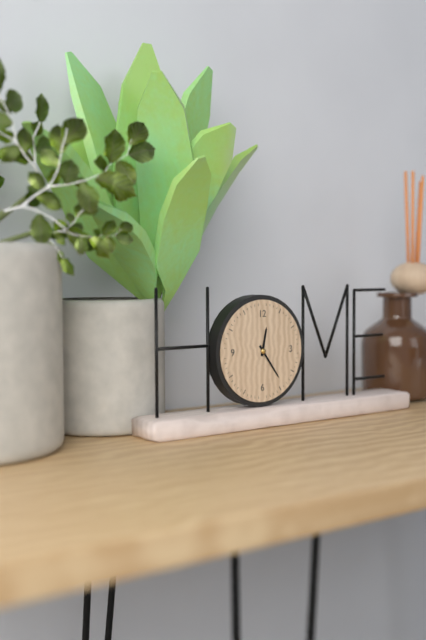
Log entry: 12:24
